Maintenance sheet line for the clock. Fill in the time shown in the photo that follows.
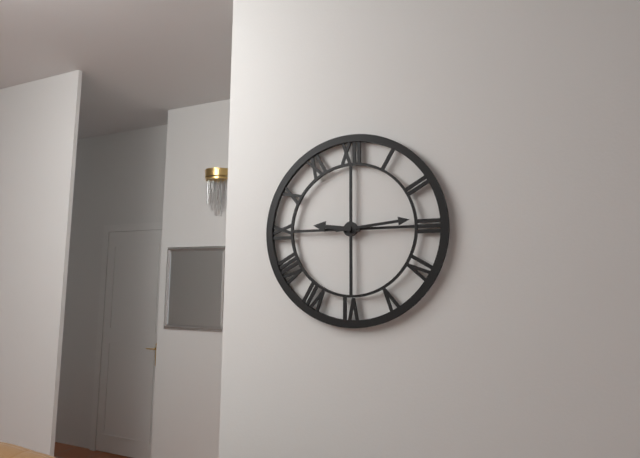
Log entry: 9:14
